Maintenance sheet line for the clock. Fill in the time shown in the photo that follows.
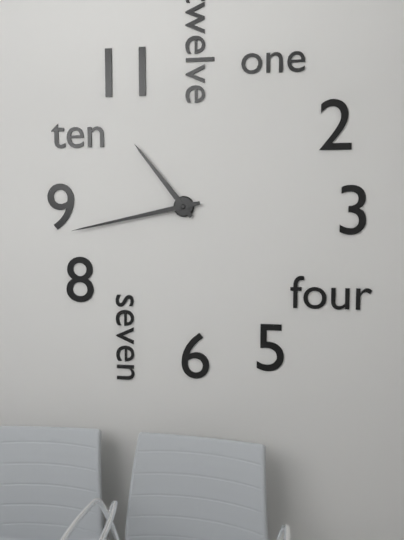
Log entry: 10:43
